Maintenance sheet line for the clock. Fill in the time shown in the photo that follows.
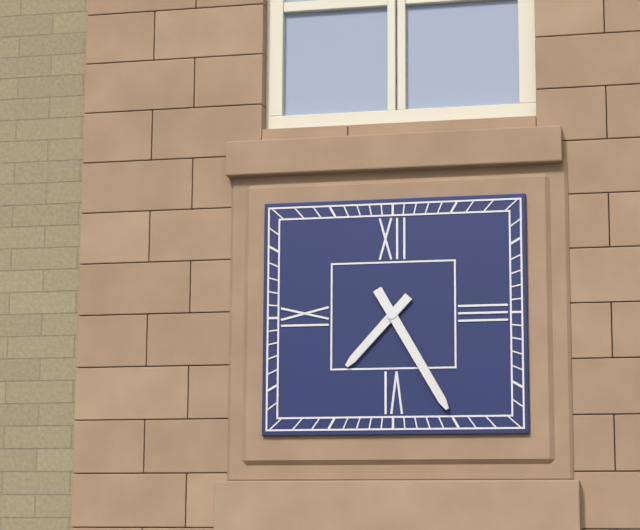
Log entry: 7:25
